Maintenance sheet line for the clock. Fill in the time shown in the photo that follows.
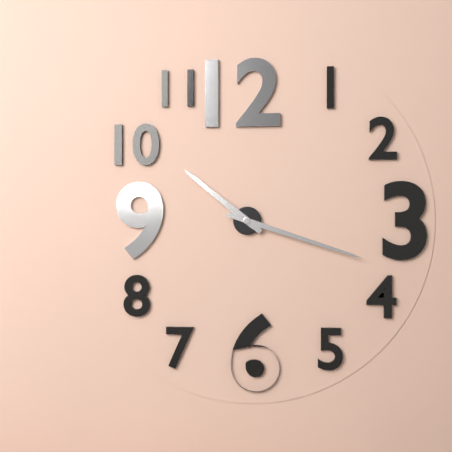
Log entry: 10:18
